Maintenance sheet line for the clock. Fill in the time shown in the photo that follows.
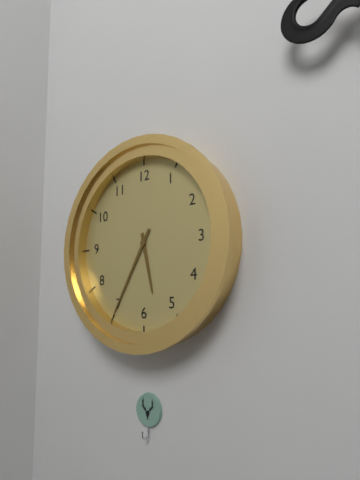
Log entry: 5:35
